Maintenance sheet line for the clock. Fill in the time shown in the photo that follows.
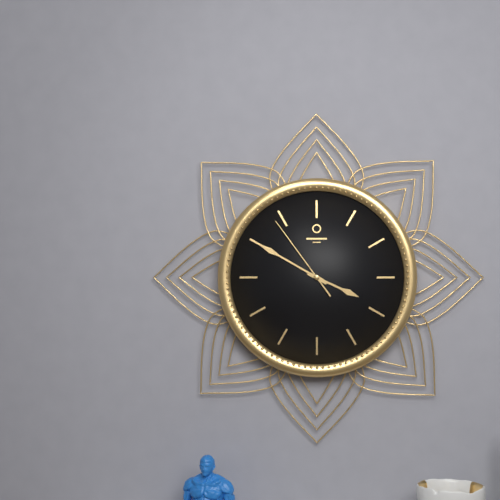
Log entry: 3:50:54
